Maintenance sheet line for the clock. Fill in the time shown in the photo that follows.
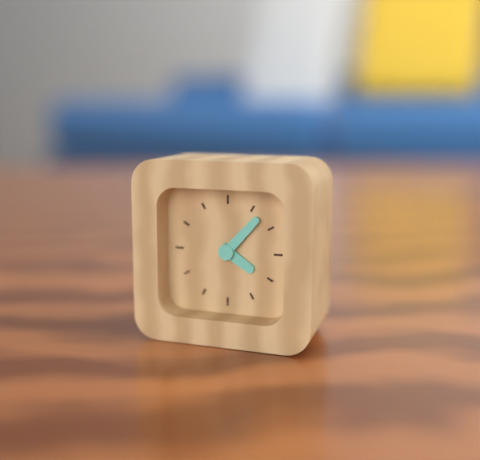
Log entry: 4:07
